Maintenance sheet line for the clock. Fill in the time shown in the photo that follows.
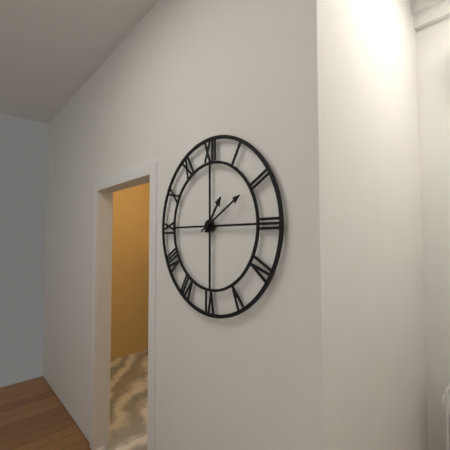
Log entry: 1:10
